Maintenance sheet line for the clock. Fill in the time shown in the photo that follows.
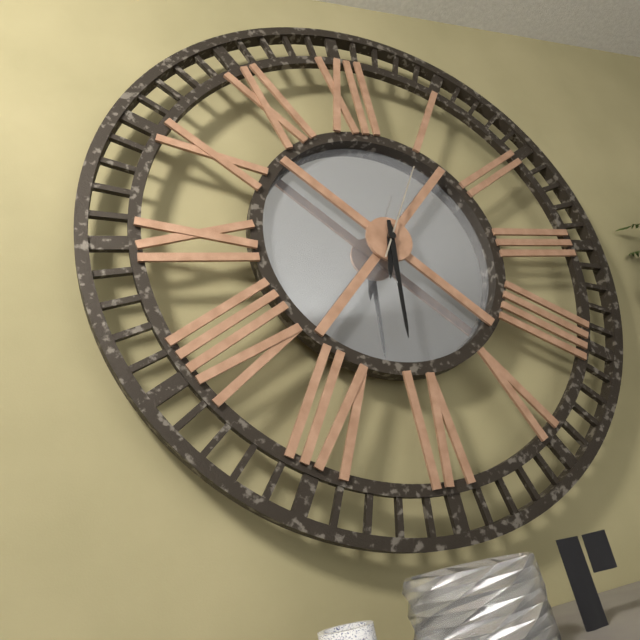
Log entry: 6:31:05
